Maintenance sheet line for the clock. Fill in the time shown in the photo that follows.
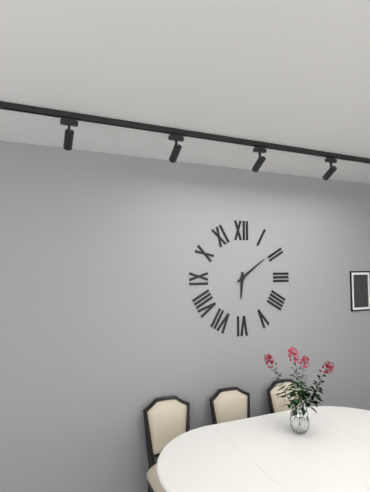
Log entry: 6:09
